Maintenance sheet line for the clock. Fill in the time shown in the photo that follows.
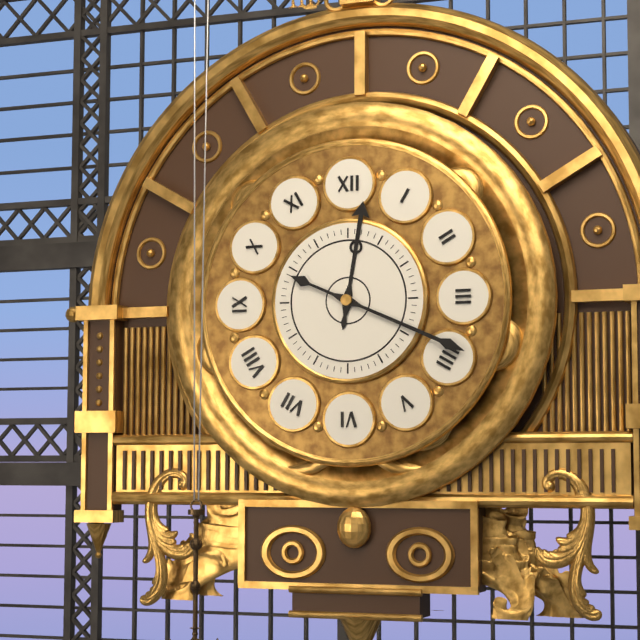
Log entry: 12:19
